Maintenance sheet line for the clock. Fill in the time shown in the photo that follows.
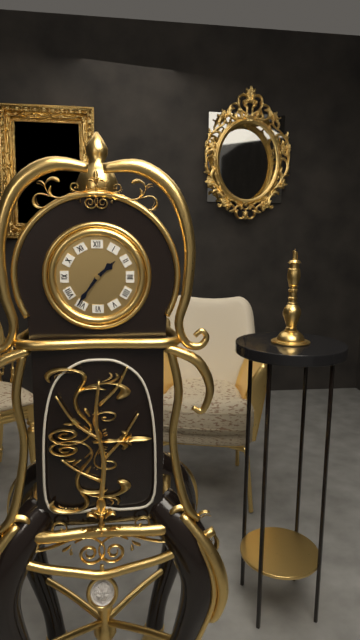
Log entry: 1:36
